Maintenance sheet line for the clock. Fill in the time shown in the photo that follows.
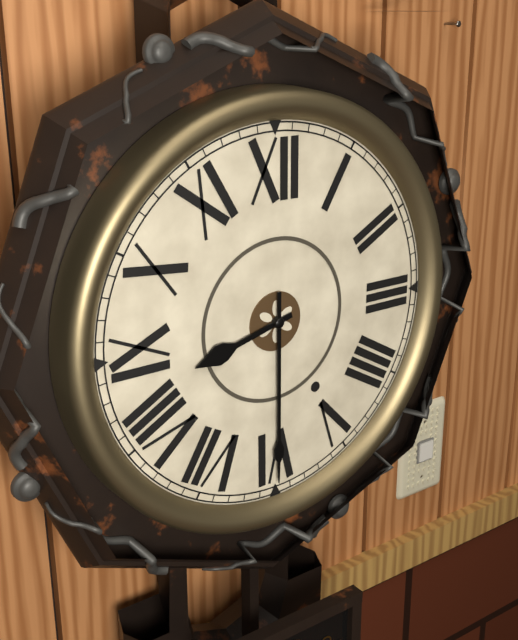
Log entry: 8:30
